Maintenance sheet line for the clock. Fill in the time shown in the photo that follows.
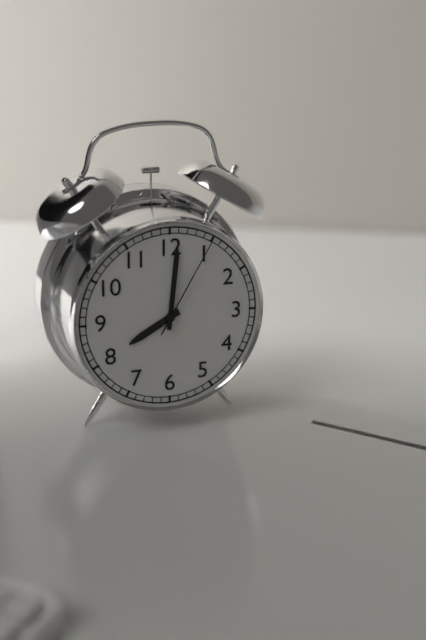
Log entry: 8:01:05
